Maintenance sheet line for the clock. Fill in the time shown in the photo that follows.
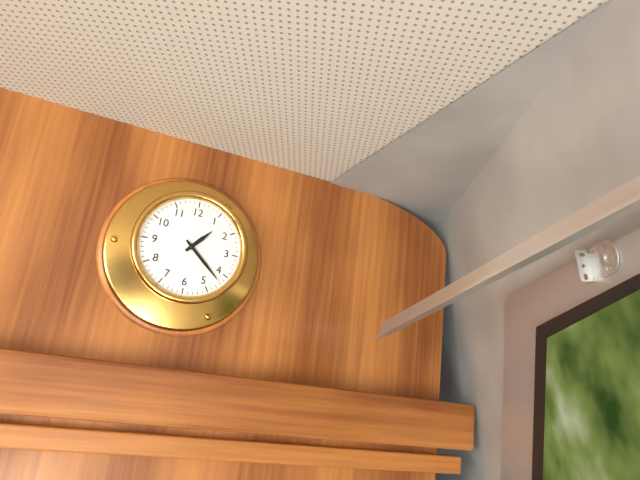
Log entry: 1:22
